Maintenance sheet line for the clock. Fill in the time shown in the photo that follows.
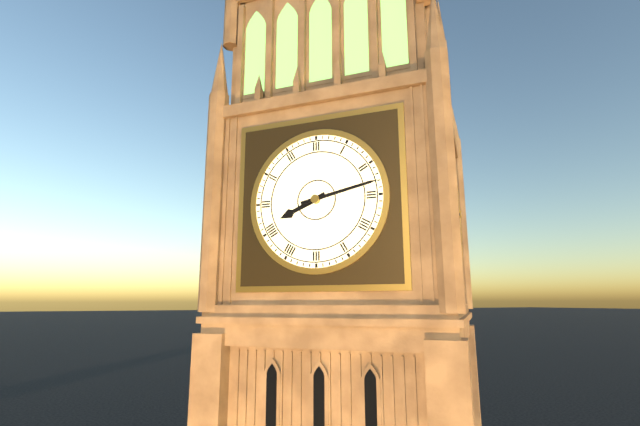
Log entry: 8:13
